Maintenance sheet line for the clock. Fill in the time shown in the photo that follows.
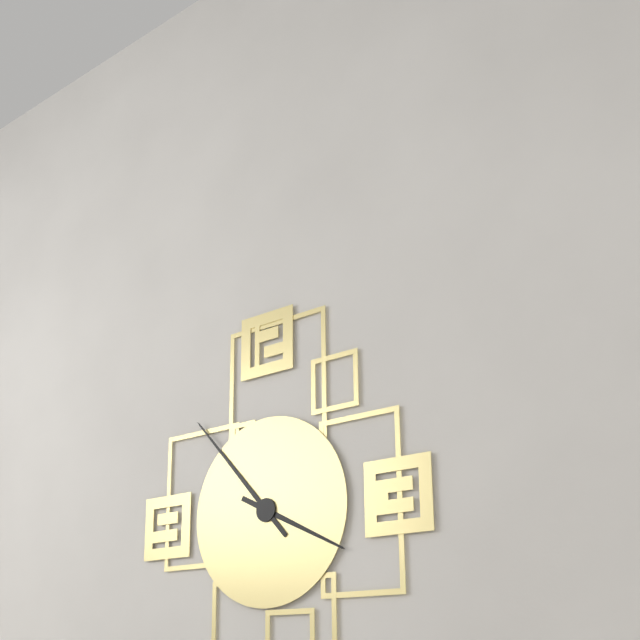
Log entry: 3:53
